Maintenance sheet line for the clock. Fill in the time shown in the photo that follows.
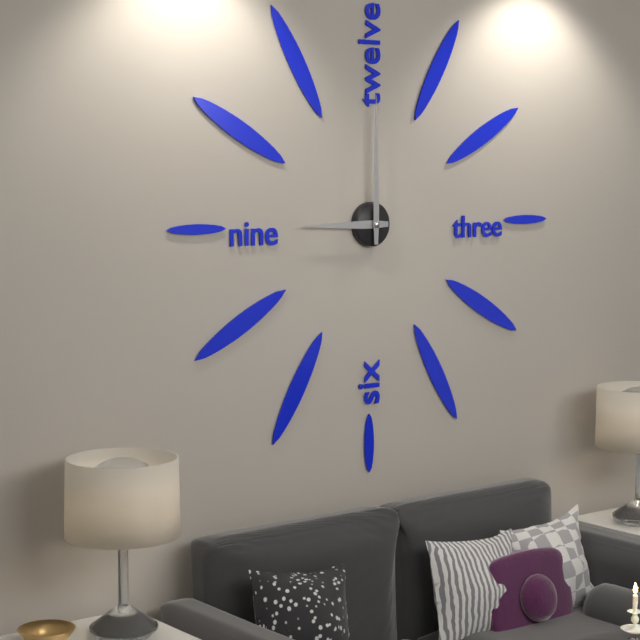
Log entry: 9:00
